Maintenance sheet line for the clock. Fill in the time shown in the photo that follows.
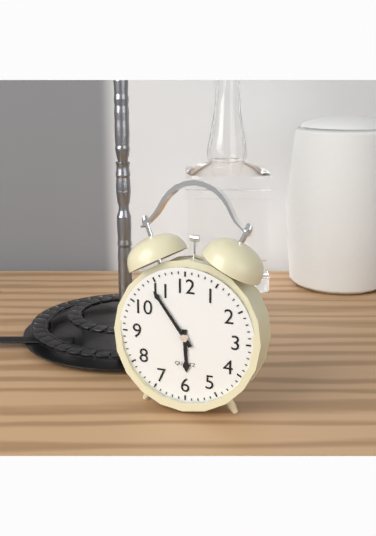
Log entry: 5:54
